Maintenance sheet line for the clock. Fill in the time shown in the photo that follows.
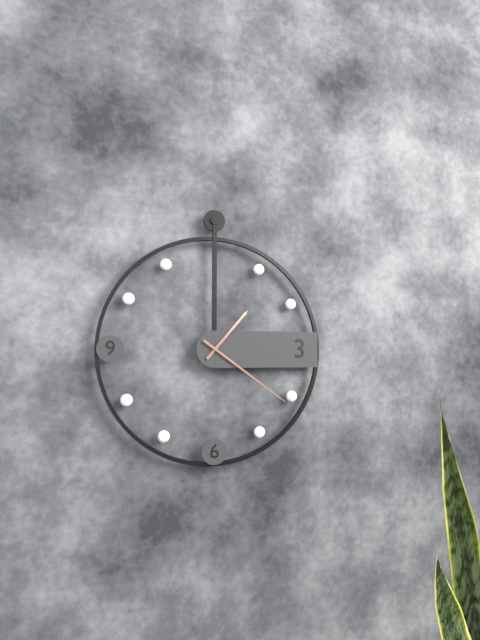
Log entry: 1:21
